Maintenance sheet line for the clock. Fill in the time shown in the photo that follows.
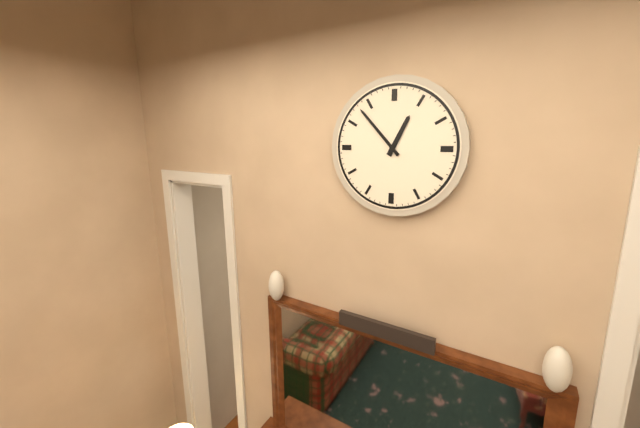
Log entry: 12:53
